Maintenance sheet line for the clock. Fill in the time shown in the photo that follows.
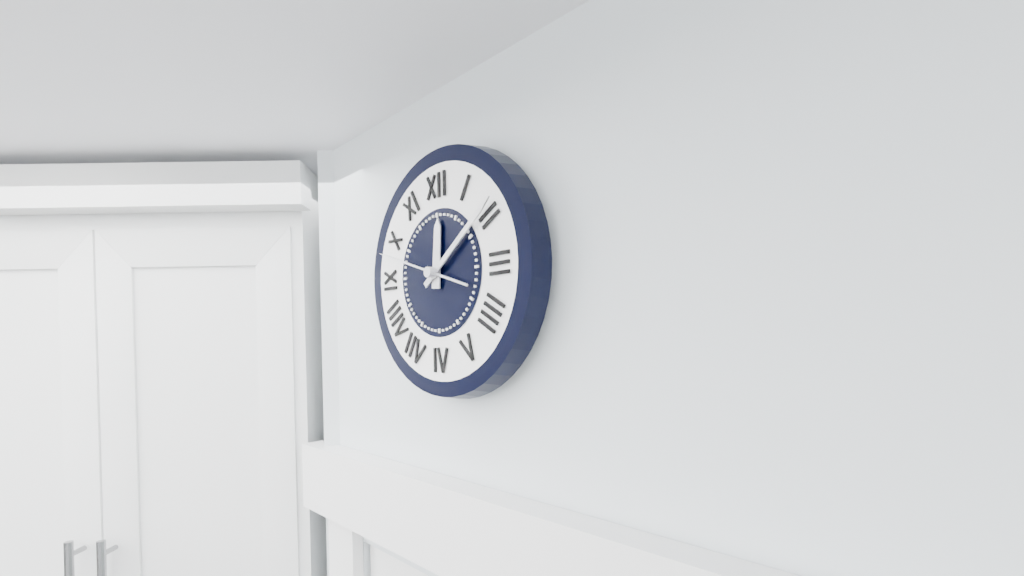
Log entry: 12:09:48
